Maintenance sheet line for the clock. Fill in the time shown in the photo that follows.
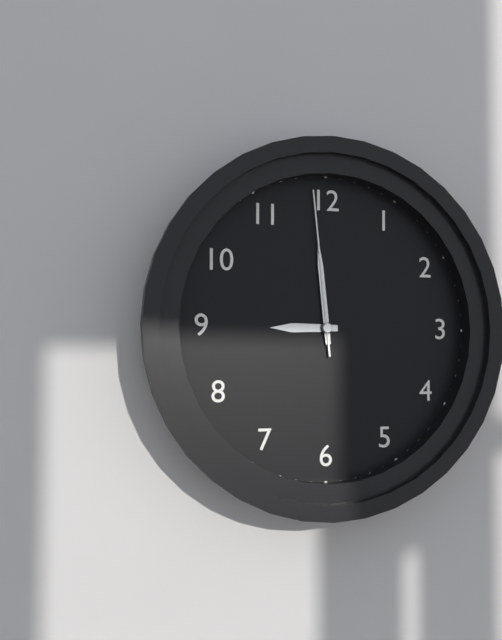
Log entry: 8:59:59
